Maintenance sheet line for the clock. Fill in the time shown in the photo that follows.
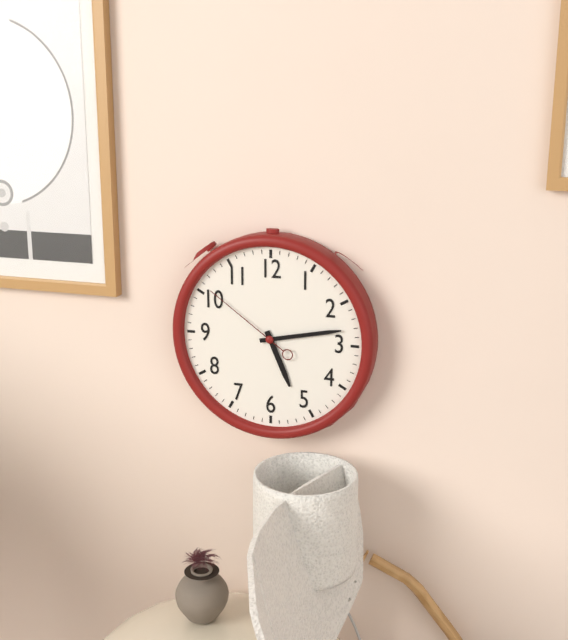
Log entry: 5:13:51
